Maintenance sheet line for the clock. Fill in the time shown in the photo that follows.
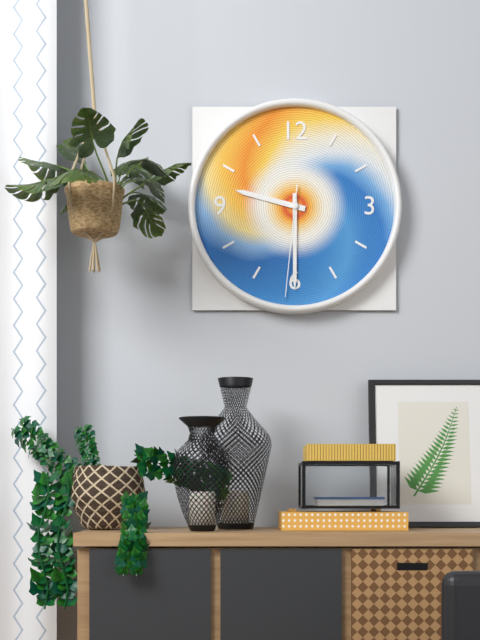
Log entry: 9:30:31
